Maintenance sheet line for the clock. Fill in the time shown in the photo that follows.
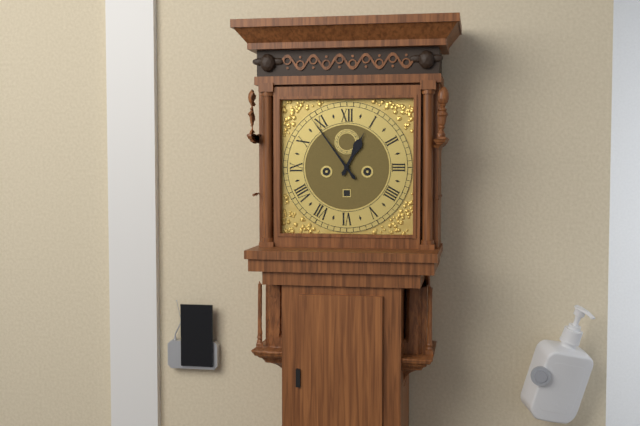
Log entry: 12:54
